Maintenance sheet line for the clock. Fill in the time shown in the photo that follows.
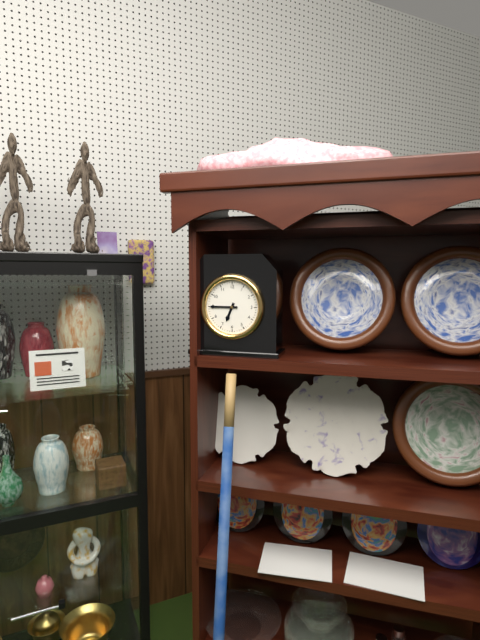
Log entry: 6:45
